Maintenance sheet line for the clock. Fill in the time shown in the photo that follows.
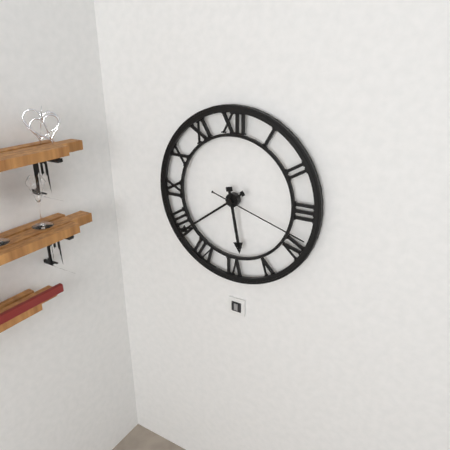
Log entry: 5:39:18
